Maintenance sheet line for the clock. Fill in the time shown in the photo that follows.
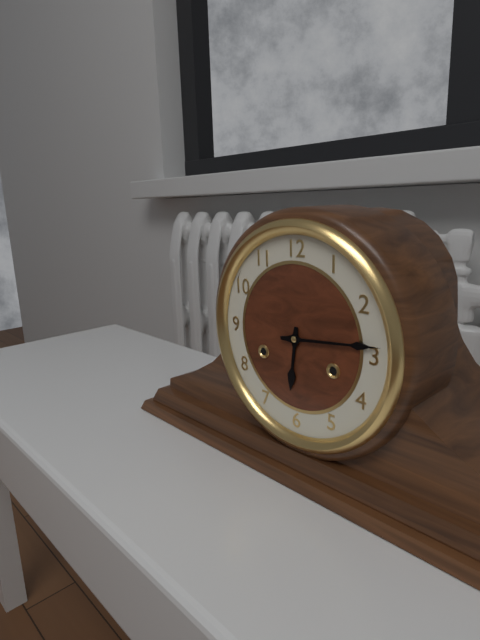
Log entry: 6:14
